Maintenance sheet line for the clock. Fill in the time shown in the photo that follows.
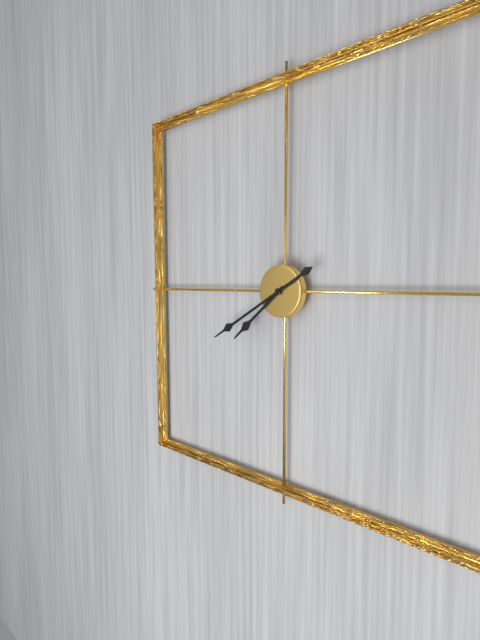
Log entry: 7:40
